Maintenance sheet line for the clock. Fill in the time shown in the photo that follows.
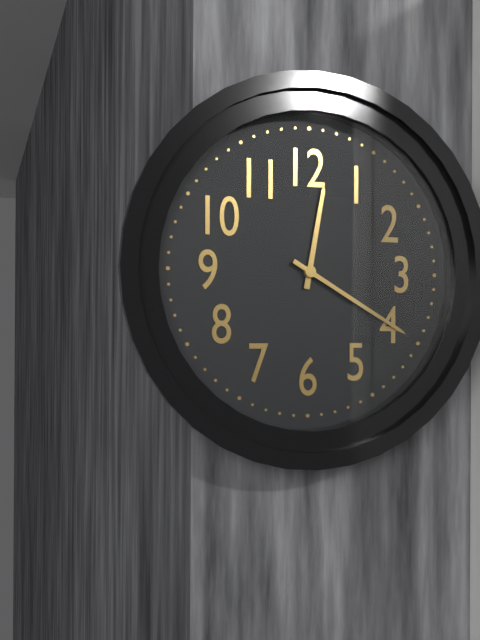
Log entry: 12:20
